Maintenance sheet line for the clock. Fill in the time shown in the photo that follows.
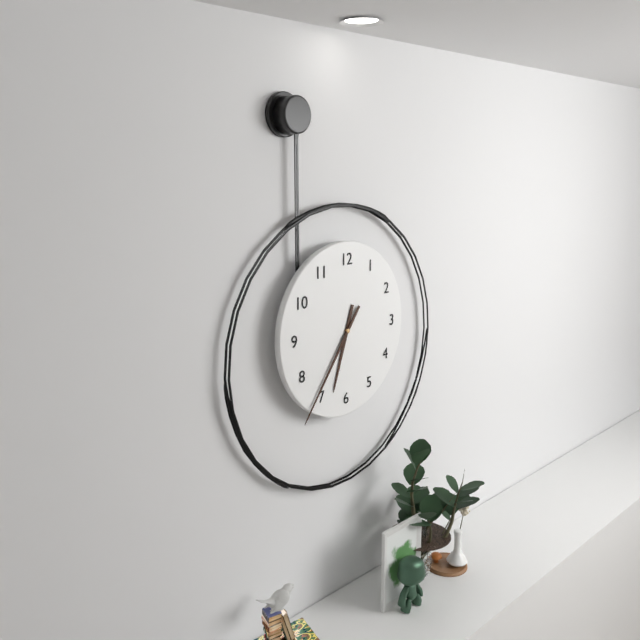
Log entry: 6:36
